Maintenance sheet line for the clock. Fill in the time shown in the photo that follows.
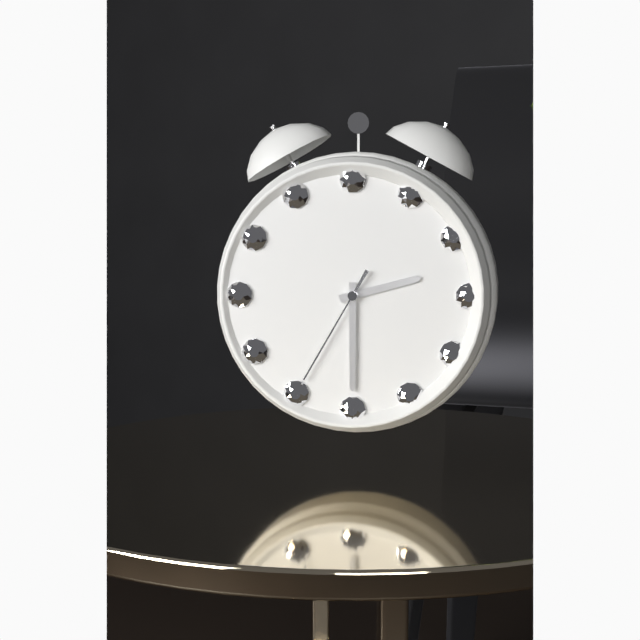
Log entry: 2:30:35
